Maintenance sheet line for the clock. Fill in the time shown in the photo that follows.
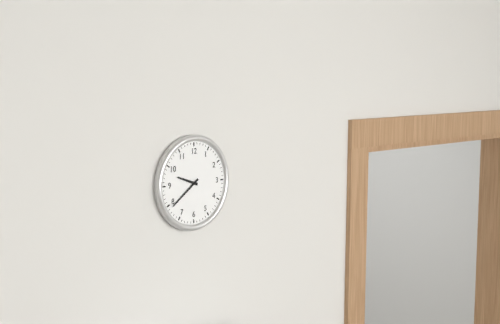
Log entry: 9:39
